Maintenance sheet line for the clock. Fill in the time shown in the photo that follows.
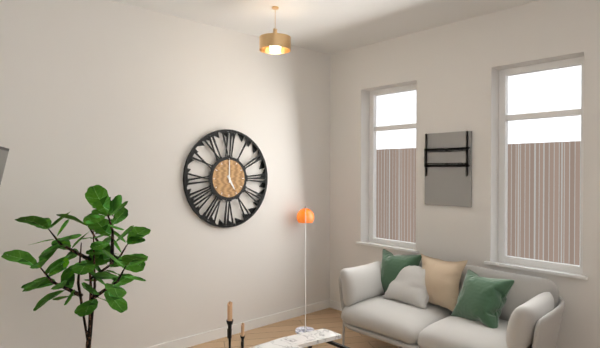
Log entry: 5:00
